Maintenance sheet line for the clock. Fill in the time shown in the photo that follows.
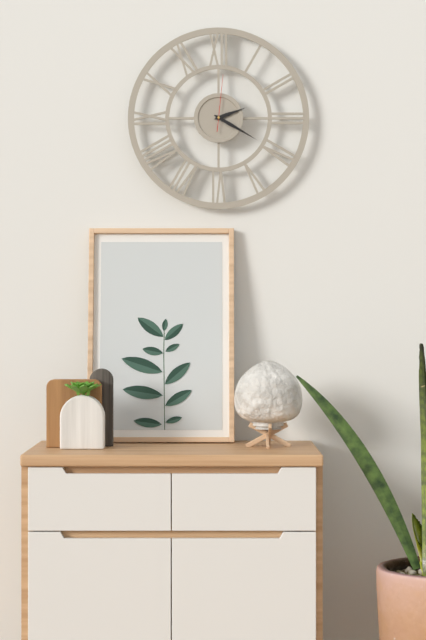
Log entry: 2:20:01
